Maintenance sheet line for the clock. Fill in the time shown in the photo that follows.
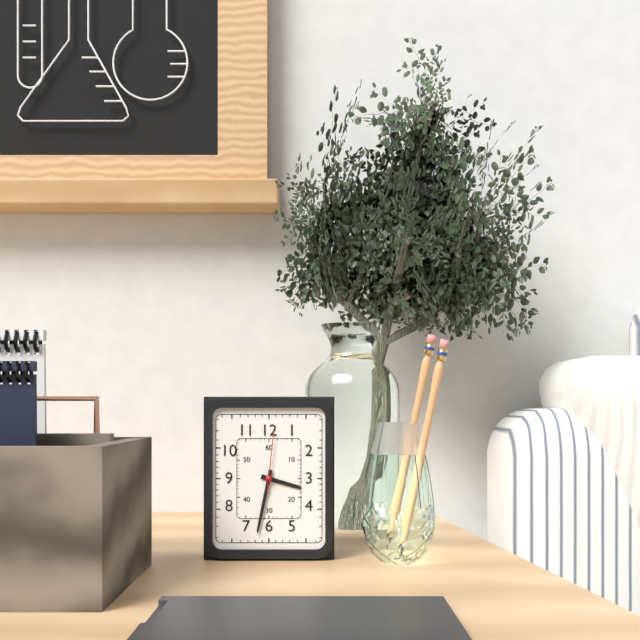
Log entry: 3:32:01
